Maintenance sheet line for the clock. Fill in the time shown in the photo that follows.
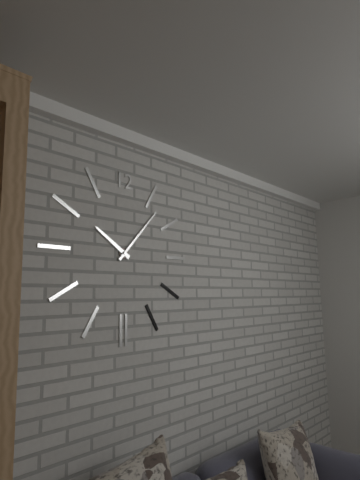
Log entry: 10:07
